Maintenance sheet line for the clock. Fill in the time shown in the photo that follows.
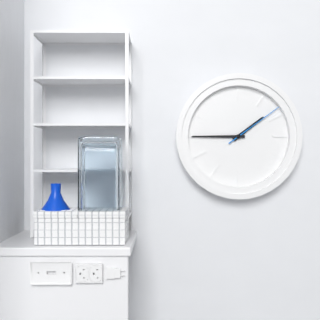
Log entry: 1:45:09
